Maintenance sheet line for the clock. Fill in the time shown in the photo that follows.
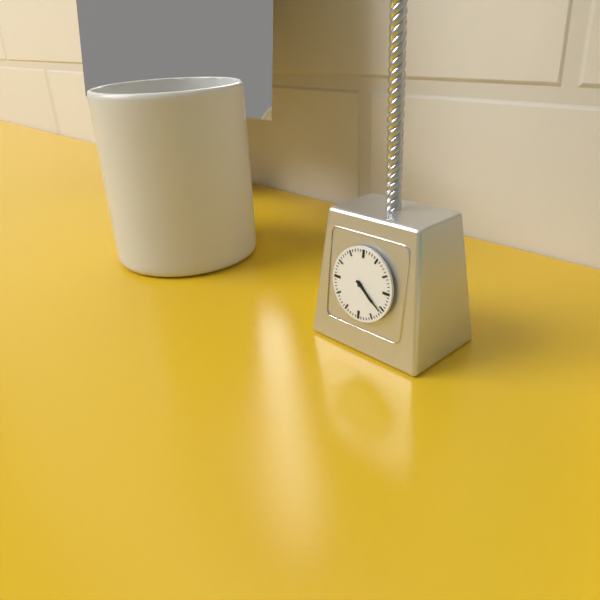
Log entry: 4:21
